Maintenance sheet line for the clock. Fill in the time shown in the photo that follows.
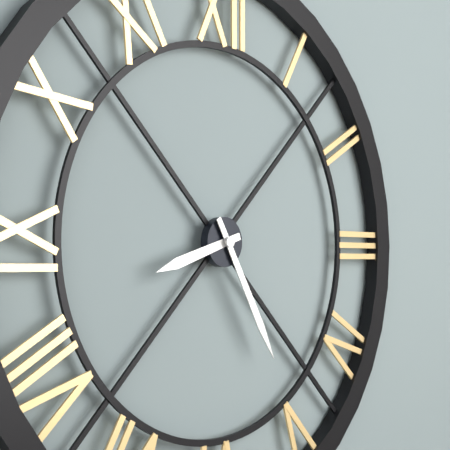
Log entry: 8:25
